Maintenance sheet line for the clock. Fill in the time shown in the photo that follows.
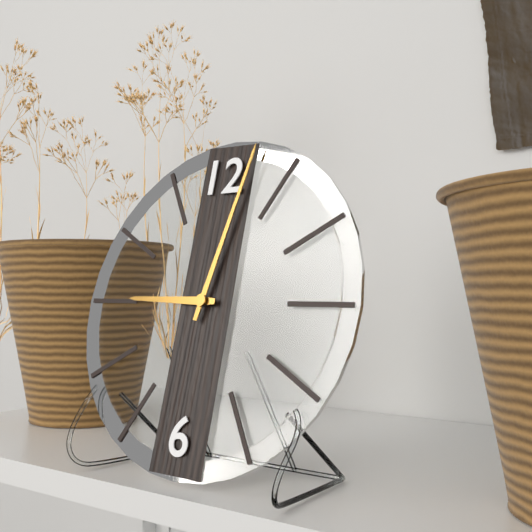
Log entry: 9:02
